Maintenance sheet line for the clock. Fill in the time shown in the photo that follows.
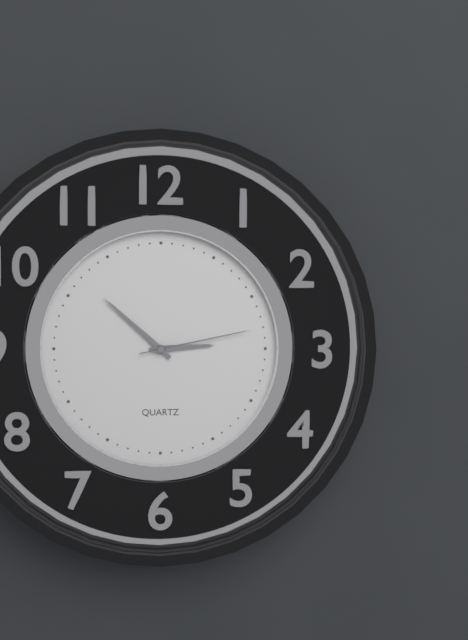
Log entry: 2:52:13
